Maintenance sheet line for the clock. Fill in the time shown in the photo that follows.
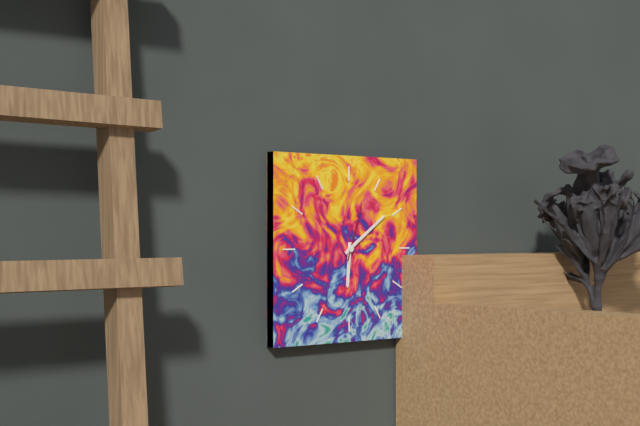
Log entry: 6:09:03
